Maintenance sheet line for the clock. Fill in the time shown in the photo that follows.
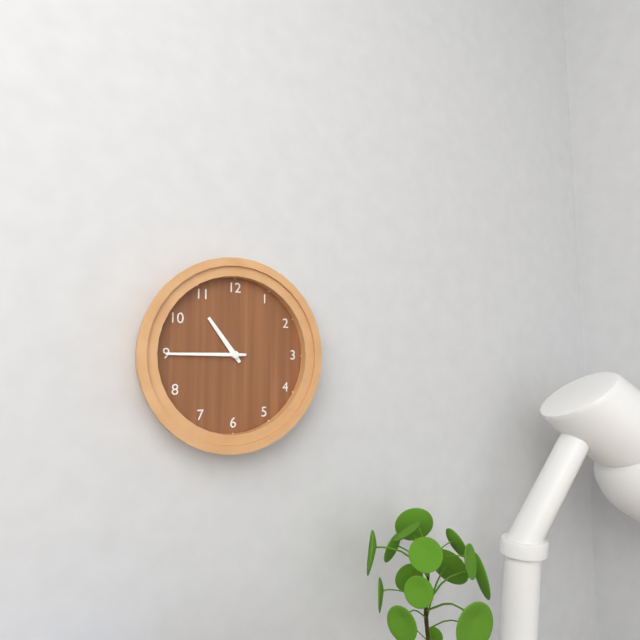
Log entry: 10:45
